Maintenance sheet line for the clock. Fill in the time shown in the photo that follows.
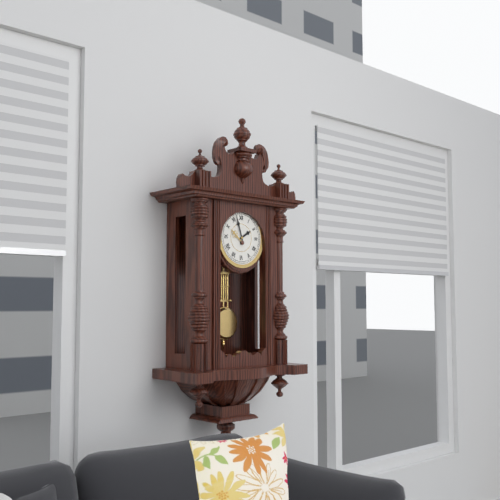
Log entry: 1:57
